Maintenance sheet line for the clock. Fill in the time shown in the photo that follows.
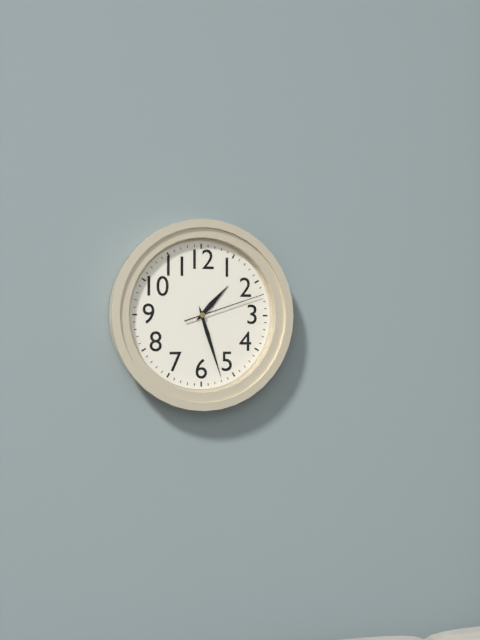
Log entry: 1:27:12
